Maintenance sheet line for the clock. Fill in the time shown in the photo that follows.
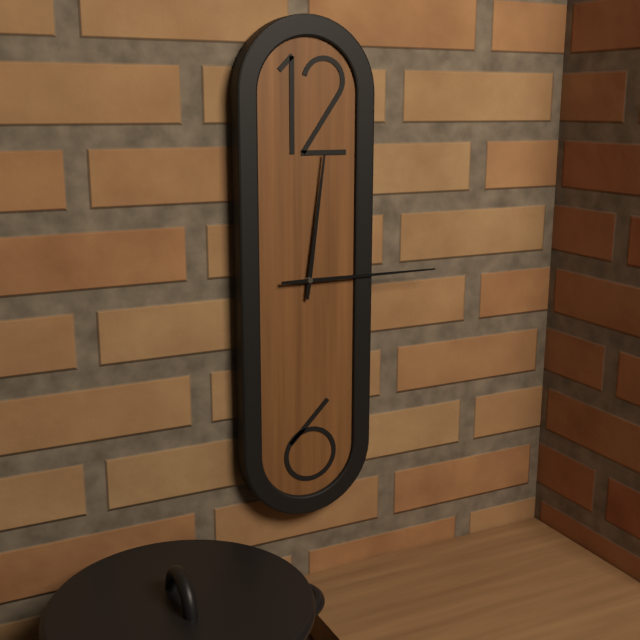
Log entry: 12:15
